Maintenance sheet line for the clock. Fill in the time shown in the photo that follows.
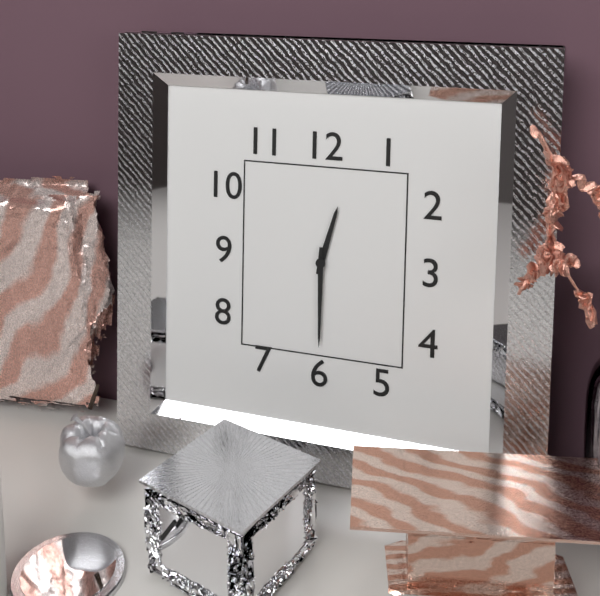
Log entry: 12:30
